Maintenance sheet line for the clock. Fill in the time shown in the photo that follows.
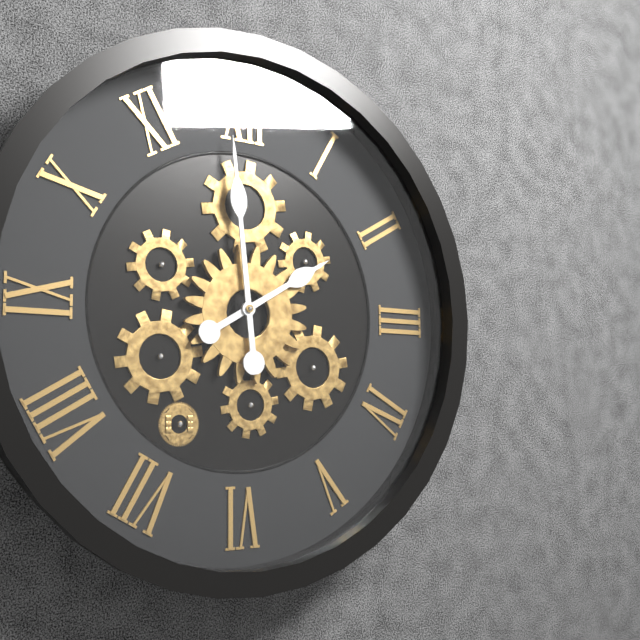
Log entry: 1:59
